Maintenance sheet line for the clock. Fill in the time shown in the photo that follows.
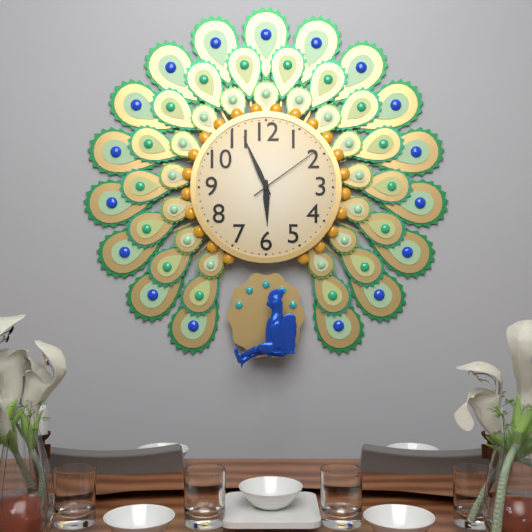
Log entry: 5:56:09
